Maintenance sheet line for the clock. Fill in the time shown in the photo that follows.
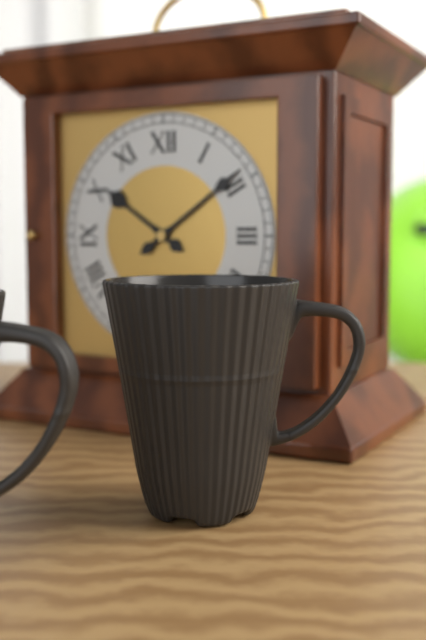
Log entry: 10:09
